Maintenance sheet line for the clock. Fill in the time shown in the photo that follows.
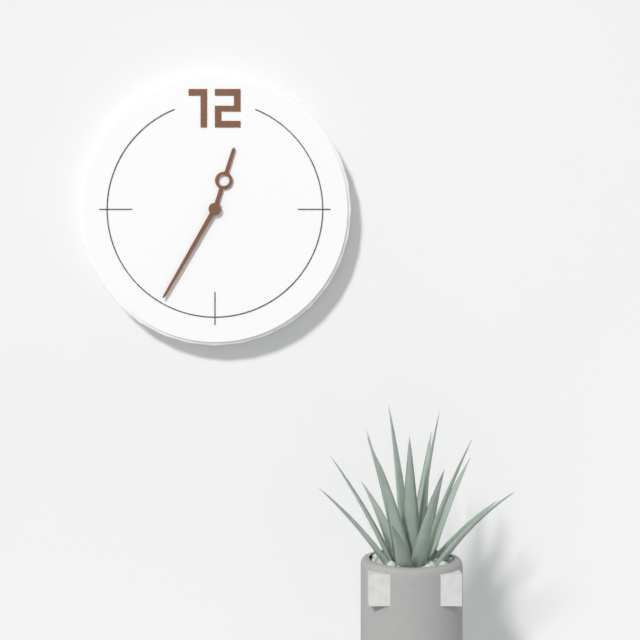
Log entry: 12:35
